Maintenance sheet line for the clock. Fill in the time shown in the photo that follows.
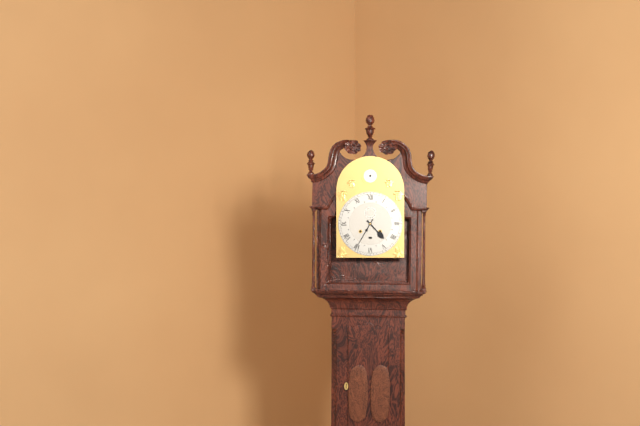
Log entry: 4:35
